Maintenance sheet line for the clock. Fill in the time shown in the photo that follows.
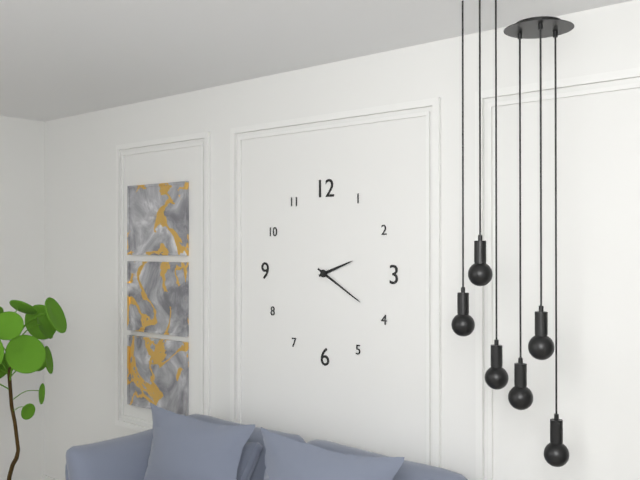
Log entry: 2:20
